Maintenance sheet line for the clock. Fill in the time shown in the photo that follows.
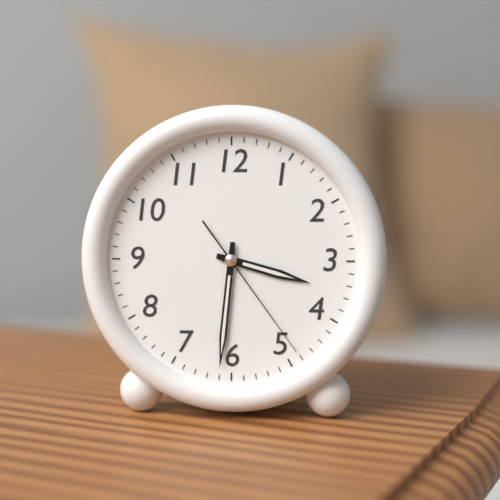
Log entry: 3:31:24
